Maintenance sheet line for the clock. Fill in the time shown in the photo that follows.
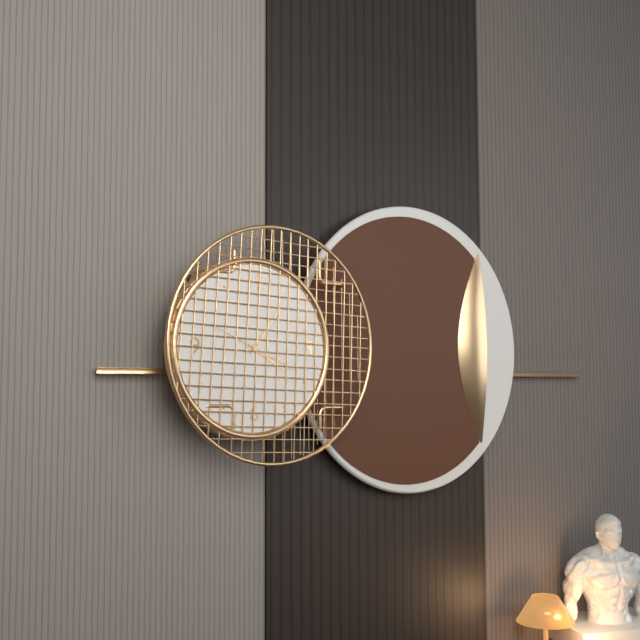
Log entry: 4:06:19
